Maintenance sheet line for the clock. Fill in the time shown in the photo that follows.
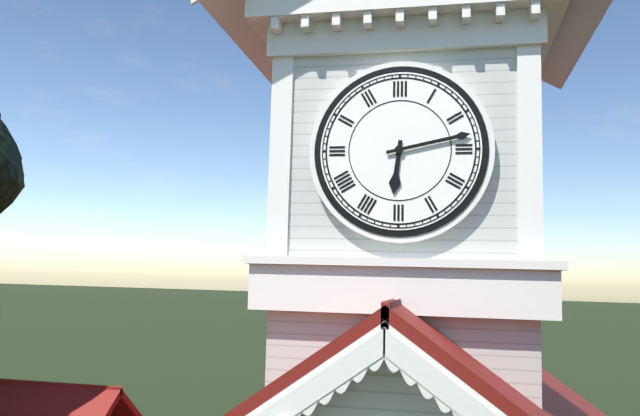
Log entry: 6:13
